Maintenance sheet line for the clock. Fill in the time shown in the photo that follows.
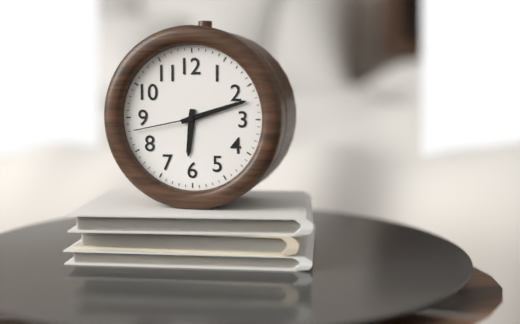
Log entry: 6:12:43
